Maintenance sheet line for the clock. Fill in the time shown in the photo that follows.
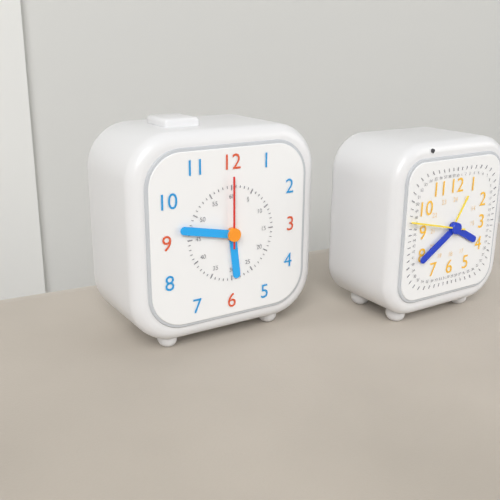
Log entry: 5:47:00
